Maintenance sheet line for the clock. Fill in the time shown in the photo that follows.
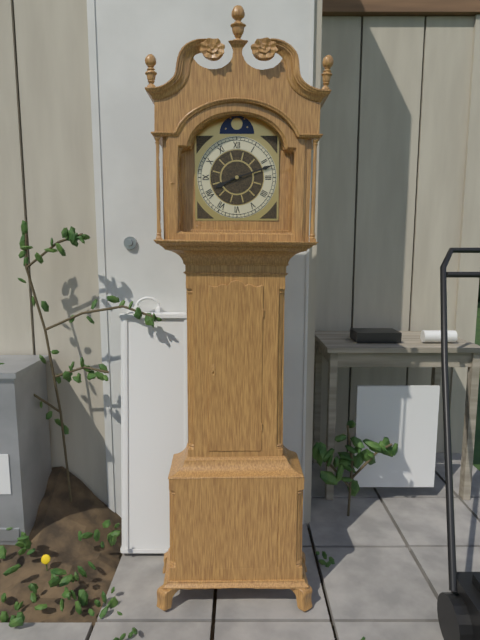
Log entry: 8:12
